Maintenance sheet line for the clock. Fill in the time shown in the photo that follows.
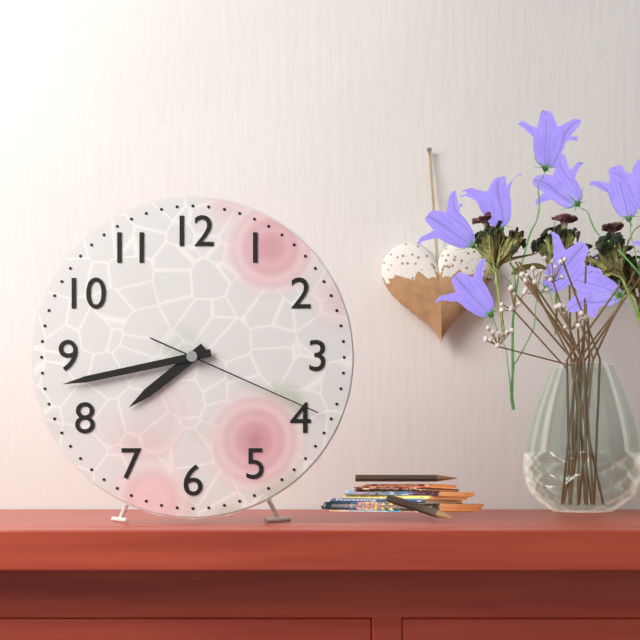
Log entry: 7:43:19
